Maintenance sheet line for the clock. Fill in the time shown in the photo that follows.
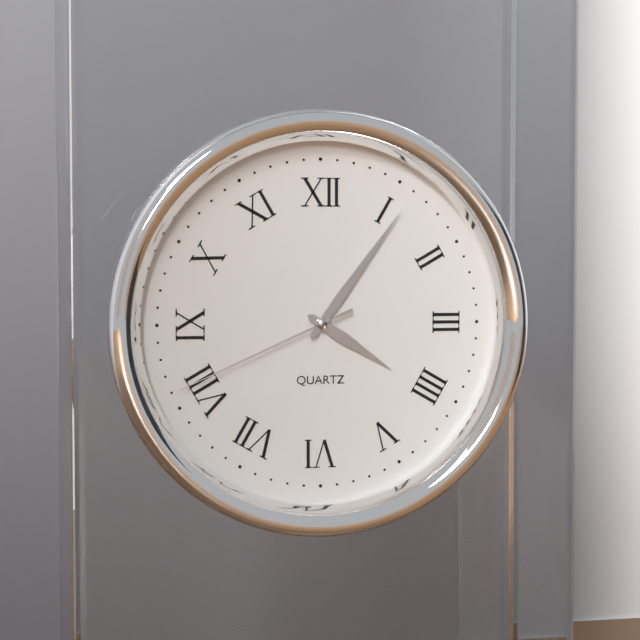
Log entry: 4:06:41
